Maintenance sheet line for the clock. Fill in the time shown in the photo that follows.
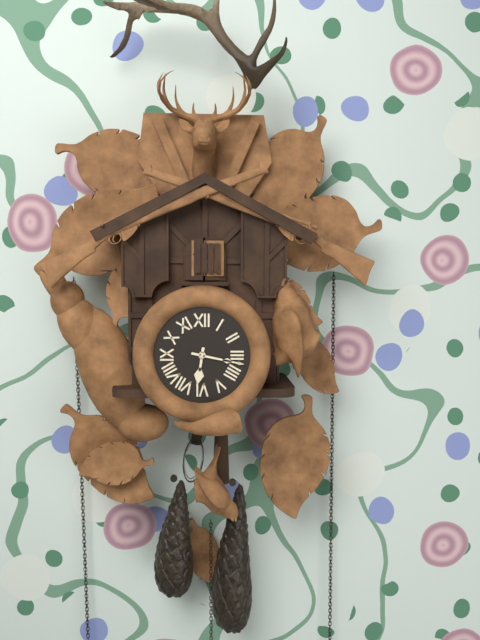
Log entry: 6:17
